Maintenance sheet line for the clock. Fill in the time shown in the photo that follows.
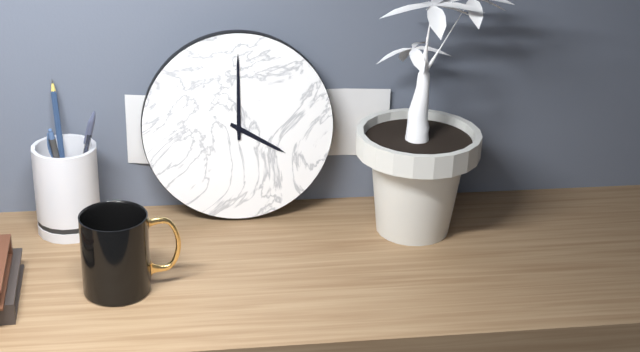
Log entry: 4:00
